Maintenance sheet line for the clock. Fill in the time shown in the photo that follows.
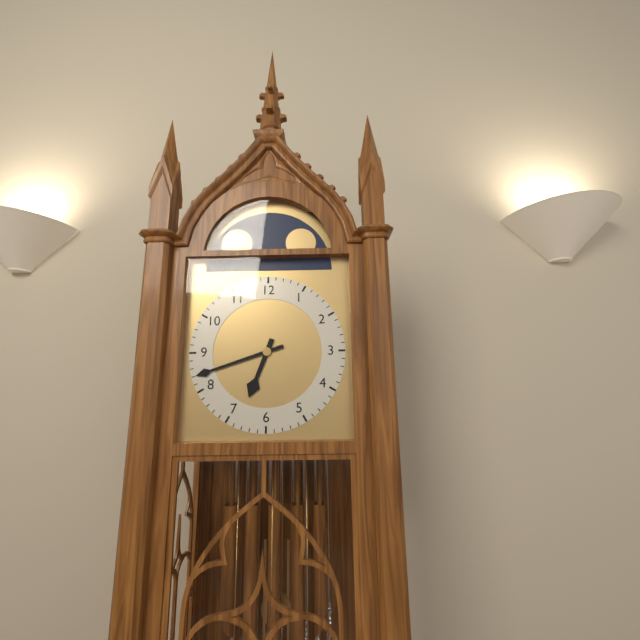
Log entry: 6:42
